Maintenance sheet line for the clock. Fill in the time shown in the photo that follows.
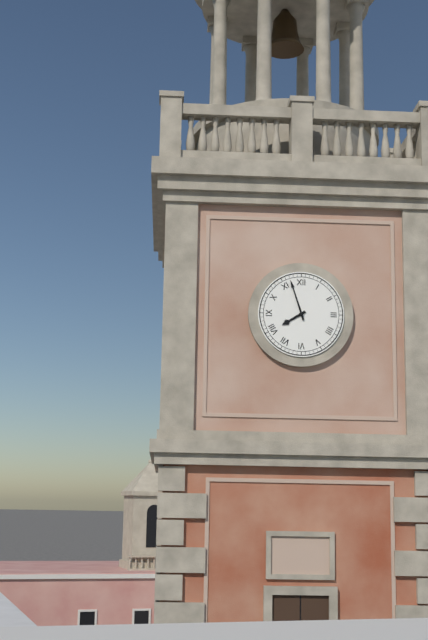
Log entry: 7:57
